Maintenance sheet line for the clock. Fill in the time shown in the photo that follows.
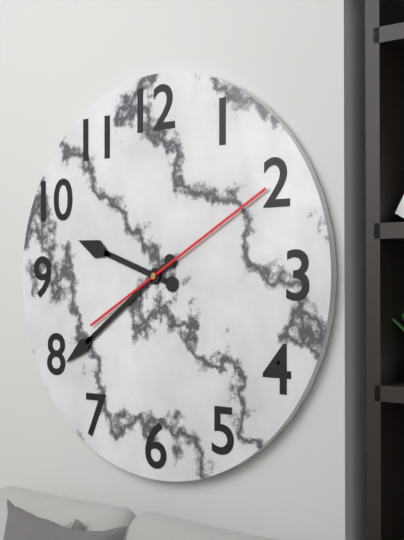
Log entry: 9:39:10
